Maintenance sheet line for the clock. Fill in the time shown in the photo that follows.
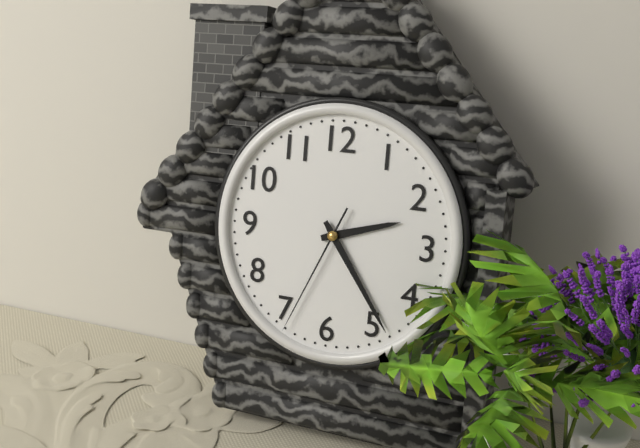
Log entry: 2:24:34
